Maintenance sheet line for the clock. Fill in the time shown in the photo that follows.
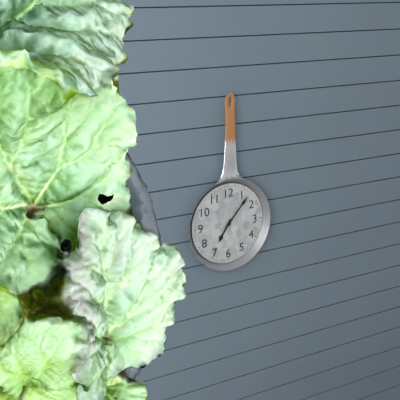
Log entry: 7:07
